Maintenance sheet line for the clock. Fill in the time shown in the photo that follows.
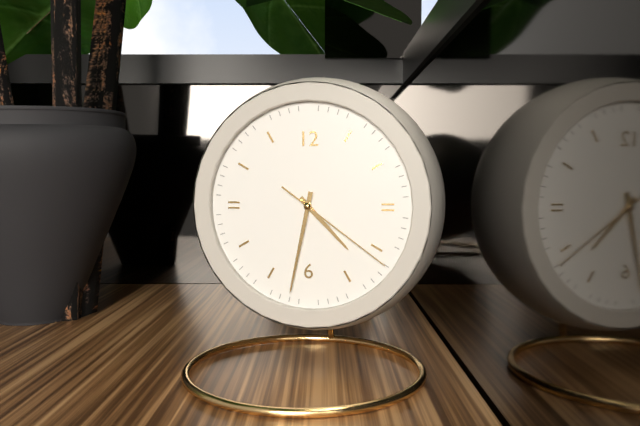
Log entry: 4:32:21
